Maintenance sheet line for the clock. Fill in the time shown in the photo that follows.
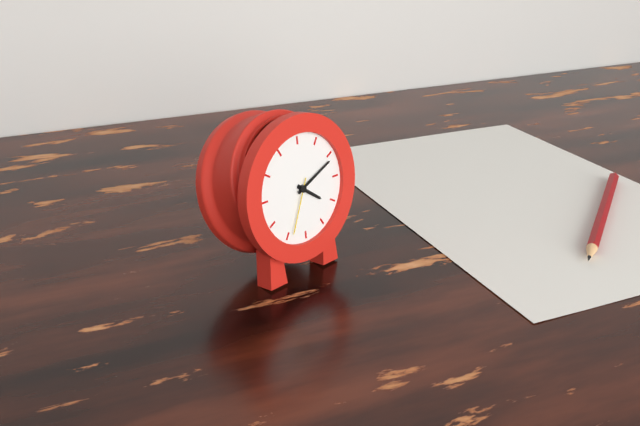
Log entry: 4:11:34
